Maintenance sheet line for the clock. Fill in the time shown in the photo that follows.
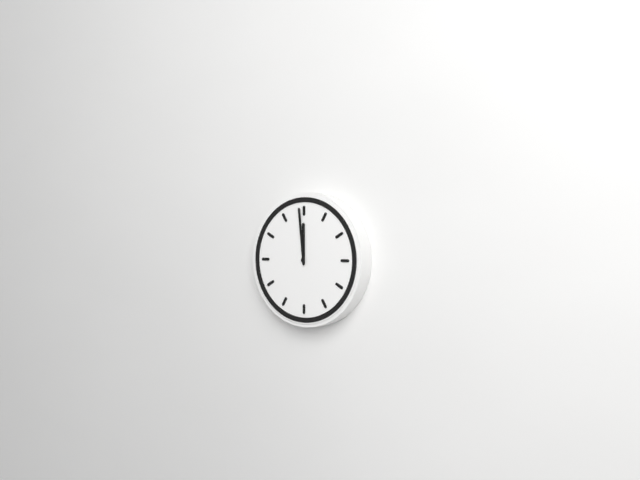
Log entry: 11:59
